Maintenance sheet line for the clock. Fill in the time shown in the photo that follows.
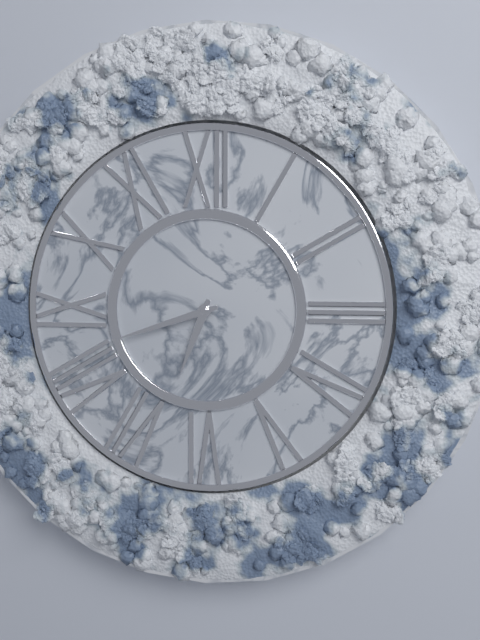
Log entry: 6:42
